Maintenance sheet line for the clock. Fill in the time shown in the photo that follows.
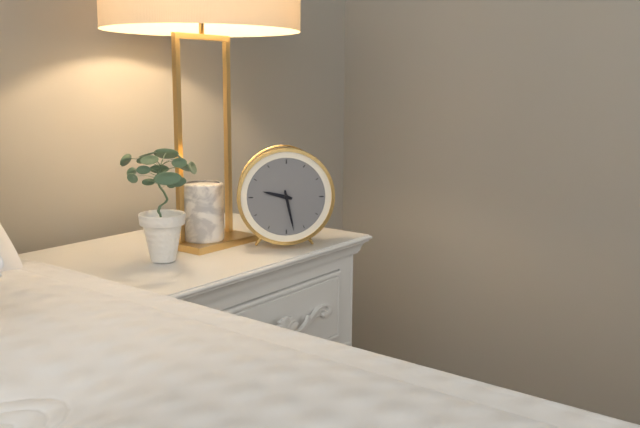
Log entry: 9:28
